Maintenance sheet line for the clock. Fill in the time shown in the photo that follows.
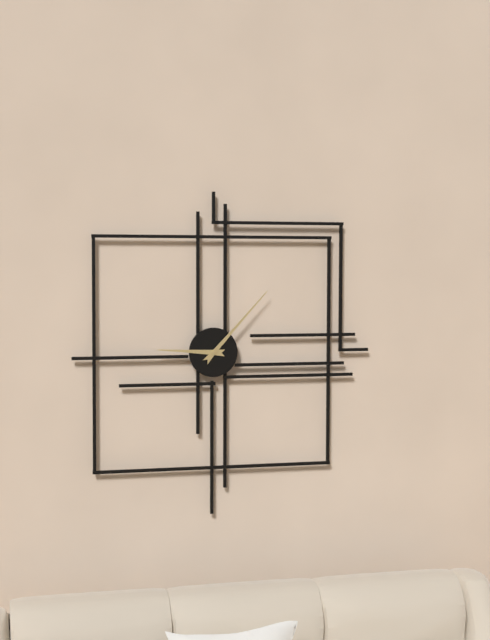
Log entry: 9:07
